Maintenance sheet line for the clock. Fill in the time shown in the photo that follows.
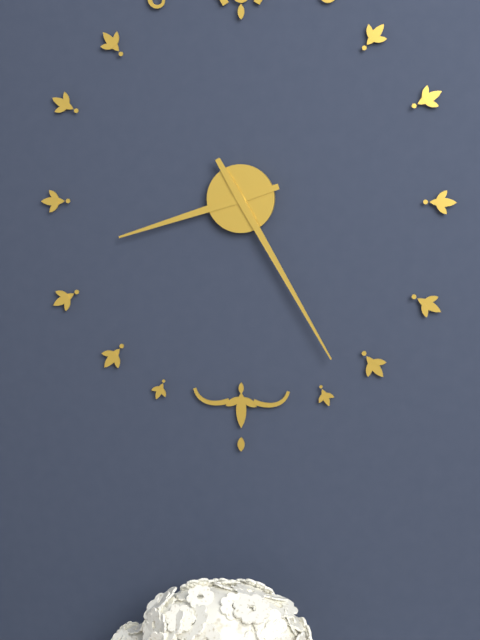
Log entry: 8:25
